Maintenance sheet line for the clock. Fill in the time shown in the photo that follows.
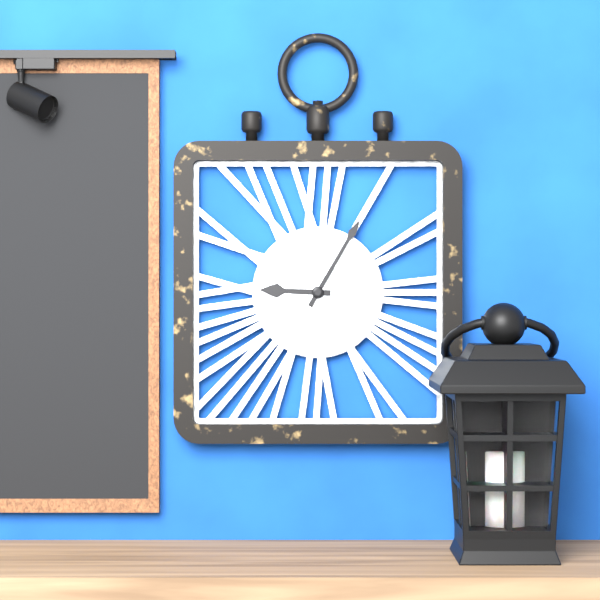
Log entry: 9:05
